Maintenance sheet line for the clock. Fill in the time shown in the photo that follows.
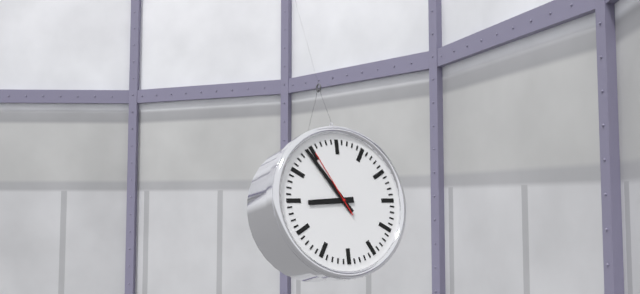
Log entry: 8:54:55
